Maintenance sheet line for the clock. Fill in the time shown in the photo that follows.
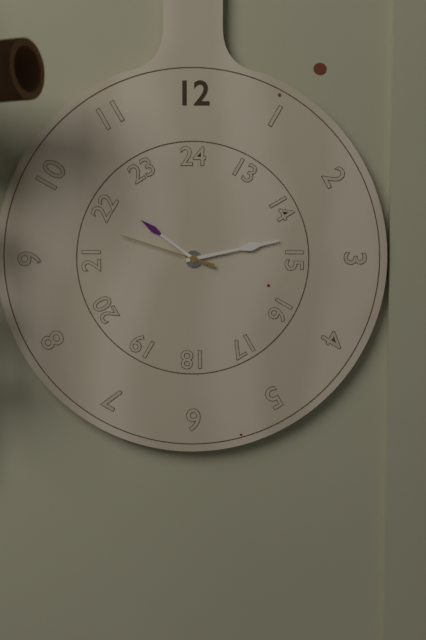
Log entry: 10:13:48
